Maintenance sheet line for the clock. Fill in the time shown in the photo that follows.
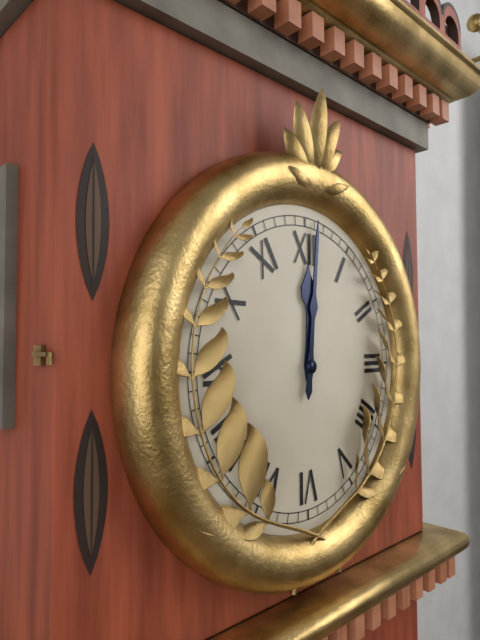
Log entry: 12:01
